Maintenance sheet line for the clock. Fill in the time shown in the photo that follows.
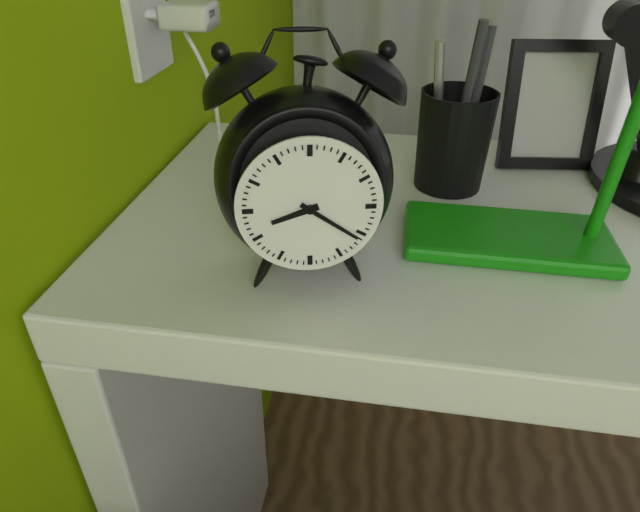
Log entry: 8:21
